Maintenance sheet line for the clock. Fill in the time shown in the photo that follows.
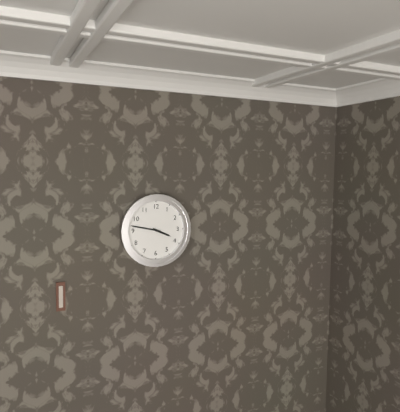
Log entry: 3:47
